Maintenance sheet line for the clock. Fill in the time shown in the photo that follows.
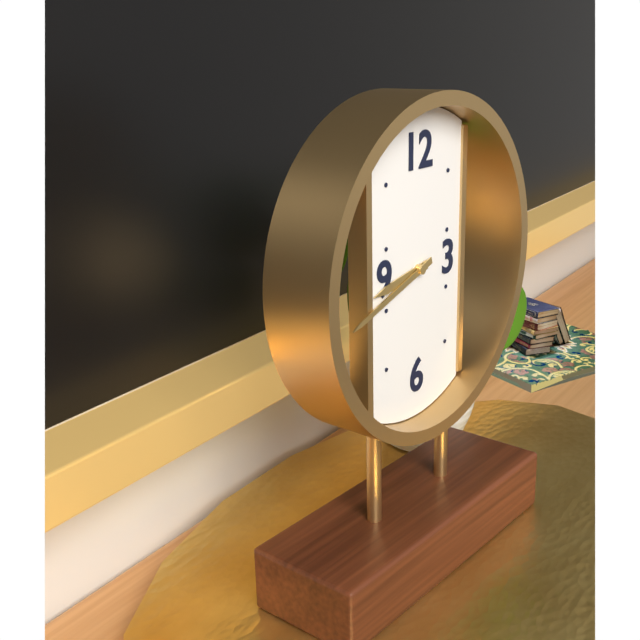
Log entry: 8:42
